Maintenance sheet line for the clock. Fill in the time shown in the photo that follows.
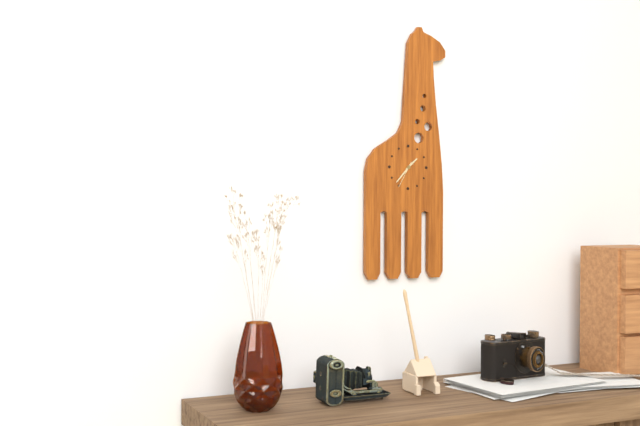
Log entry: 1:37
